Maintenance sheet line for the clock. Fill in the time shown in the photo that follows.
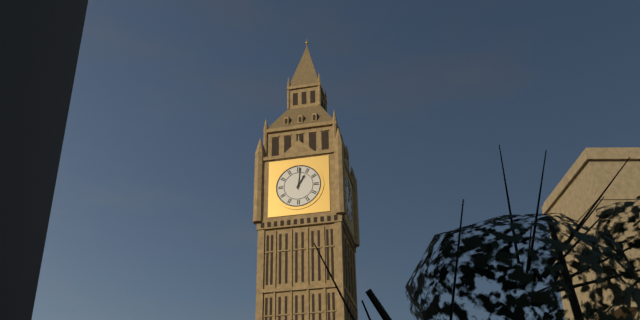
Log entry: 1:01
